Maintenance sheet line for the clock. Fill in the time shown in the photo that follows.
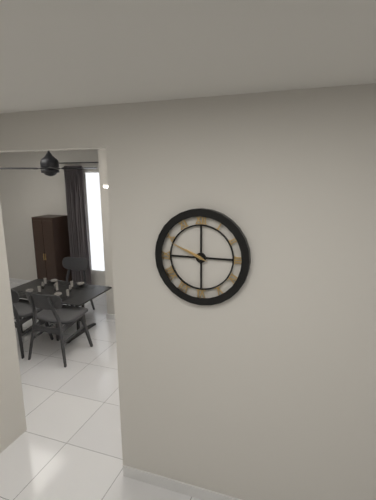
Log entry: 9:49
